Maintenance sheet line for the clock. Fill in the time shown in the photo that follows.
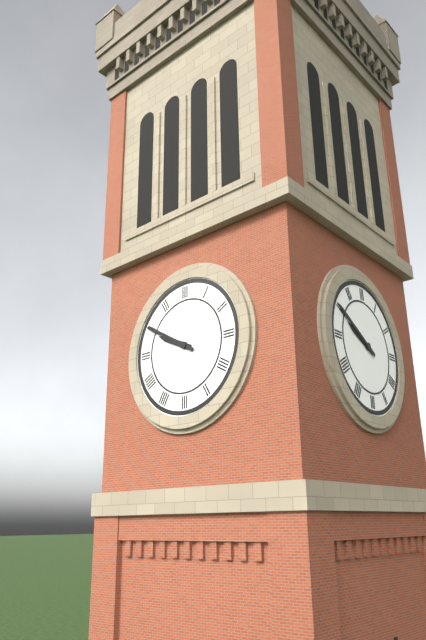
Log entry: 9:50
